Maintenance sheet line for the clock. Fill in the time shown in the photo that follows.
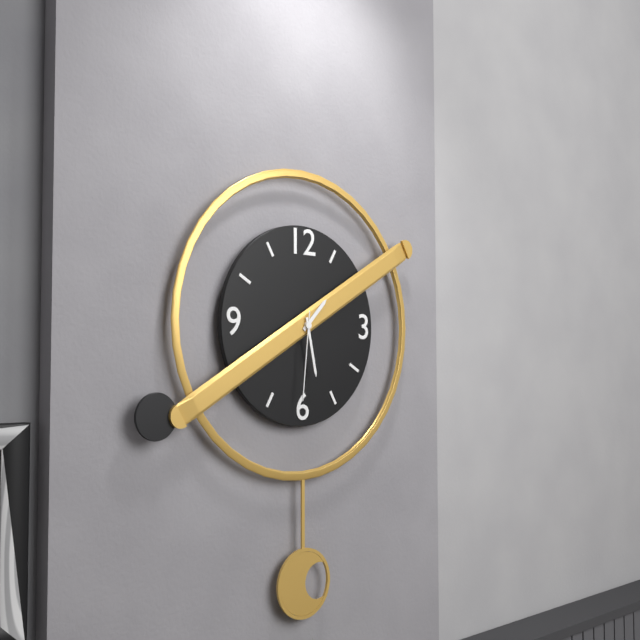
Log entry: 1:28:31
